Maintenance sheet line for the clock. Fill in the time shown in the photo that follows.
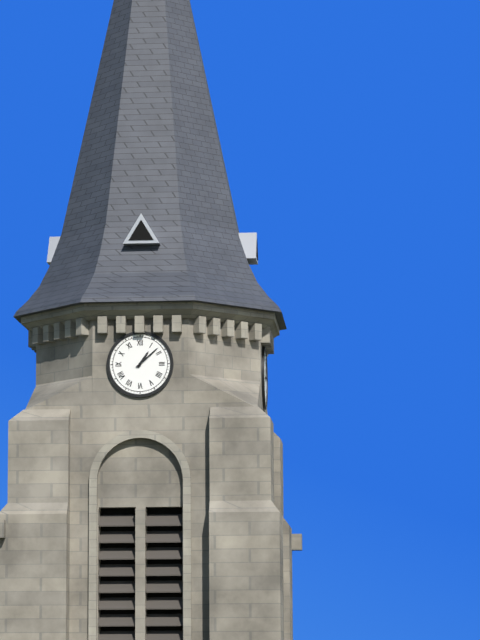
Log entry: 1:08
